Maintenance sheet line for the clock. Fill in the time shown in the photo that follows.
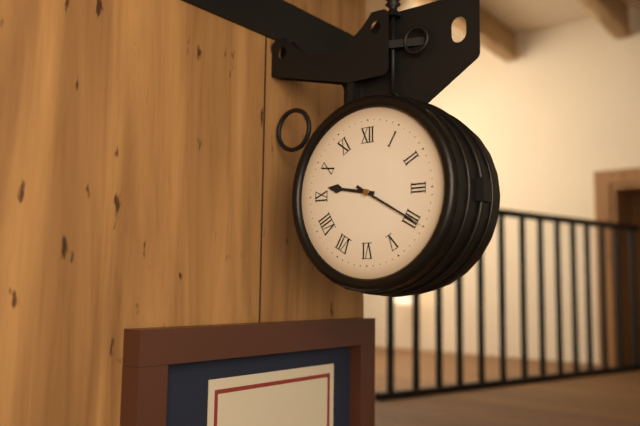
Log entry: 9:20
